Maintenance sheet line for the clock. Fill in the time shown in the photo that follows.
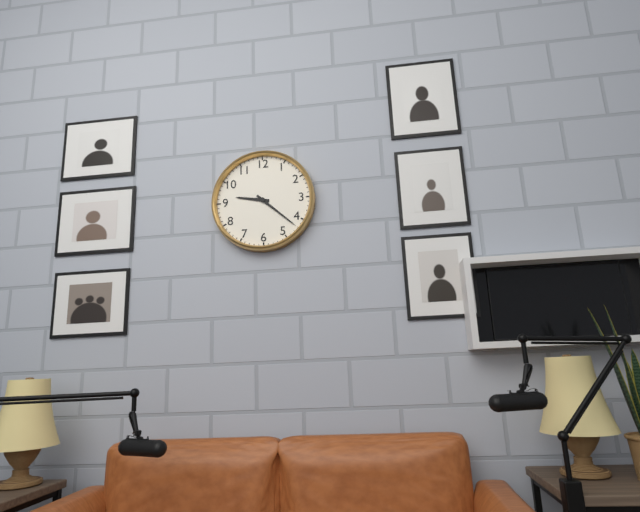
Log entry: 9:22
